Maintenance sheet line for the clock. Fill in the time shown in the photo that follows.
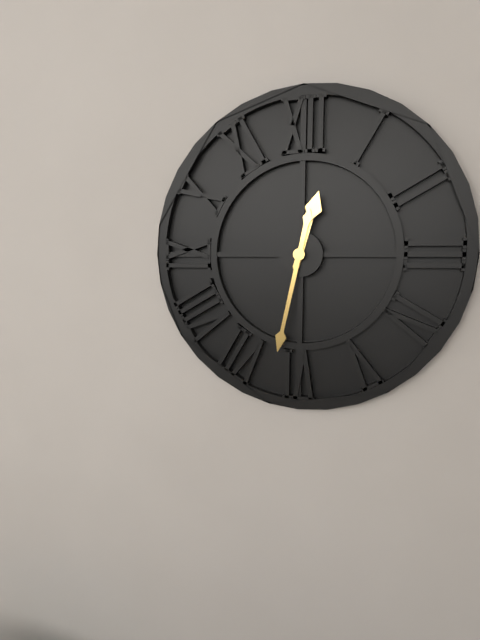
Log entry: 12:32
